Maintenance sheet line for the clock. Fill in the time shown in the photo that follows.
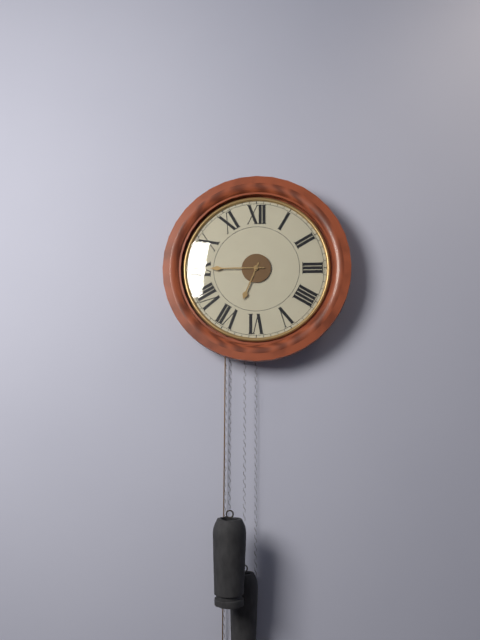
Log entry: 6:45
